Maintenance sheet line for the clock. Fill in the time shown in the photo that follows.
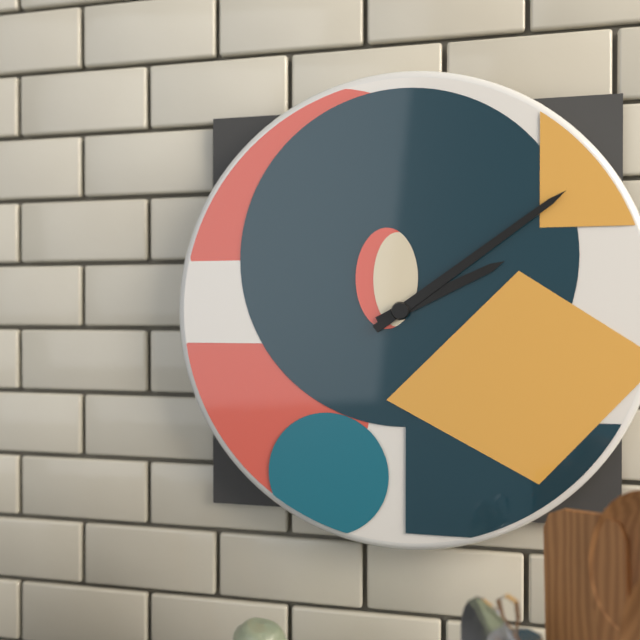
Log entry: 2:09
